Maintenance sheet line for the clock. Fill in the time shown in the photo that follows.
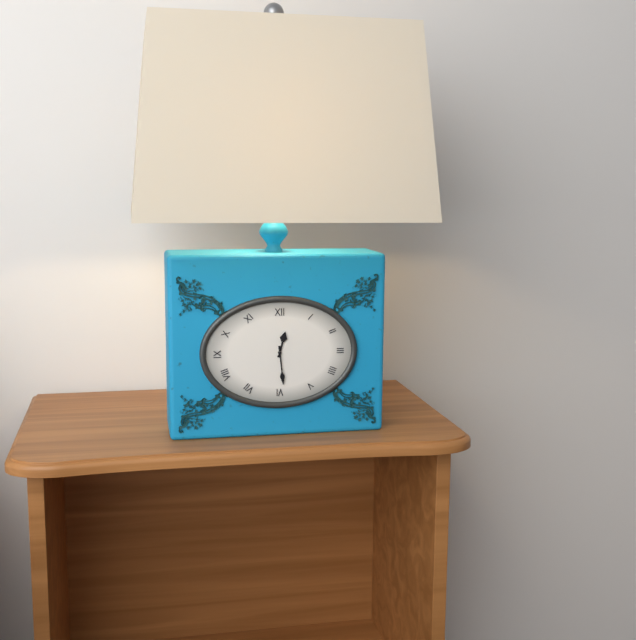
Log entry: 12:29
